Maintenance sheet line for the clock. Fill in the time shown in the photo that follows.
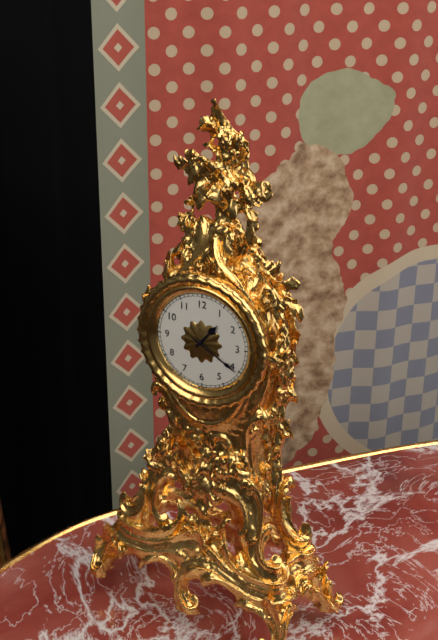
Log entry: 1:20
